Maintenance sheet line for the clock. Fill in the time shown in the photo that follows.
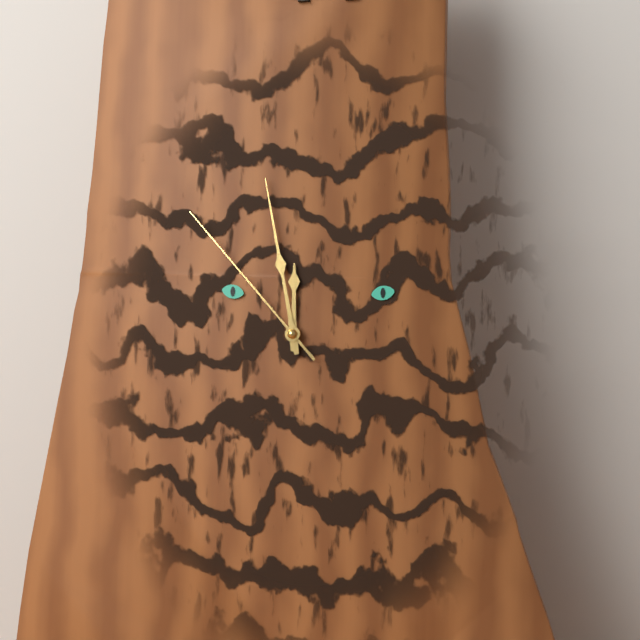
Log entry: 11:58:53
